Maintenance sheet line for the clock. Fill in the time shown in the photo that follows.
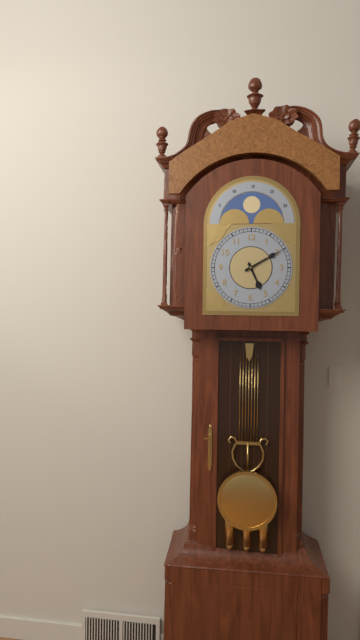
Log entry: 5:10
